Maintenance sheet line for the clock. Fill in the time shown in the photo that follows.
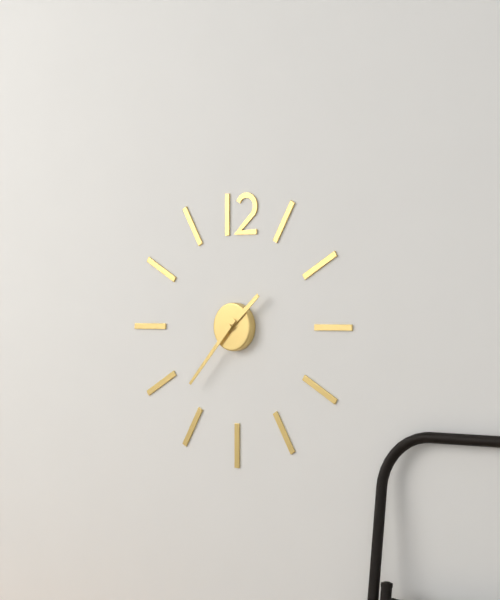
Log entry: 1:37
